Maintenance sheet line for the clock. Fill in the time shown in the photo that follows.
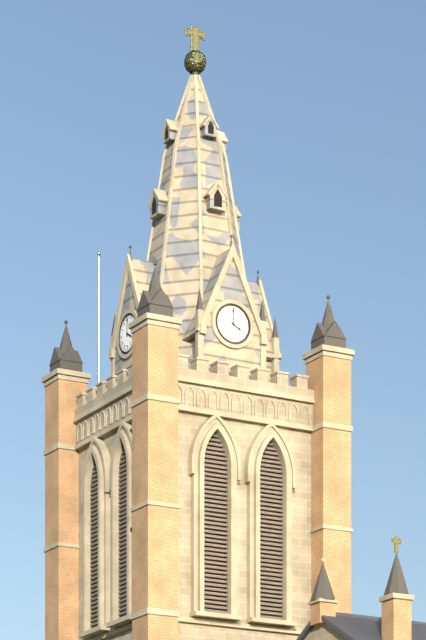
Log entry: 4:00
